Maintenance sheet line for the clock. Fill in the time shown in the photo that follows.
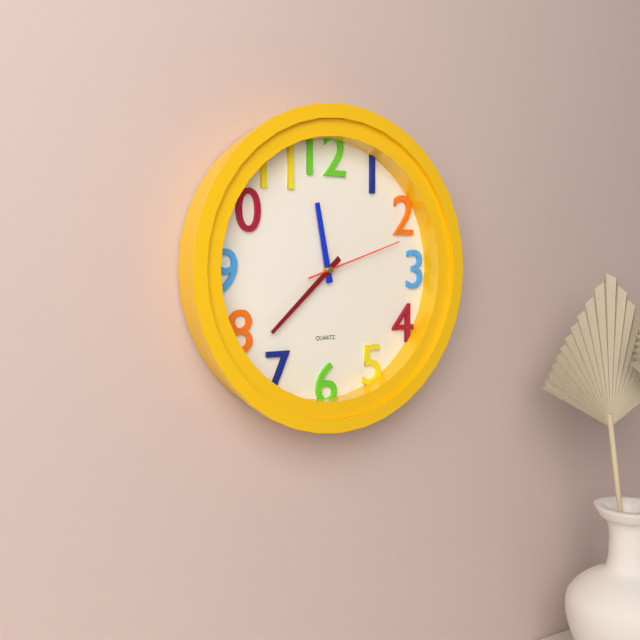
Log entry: 11:38:12
